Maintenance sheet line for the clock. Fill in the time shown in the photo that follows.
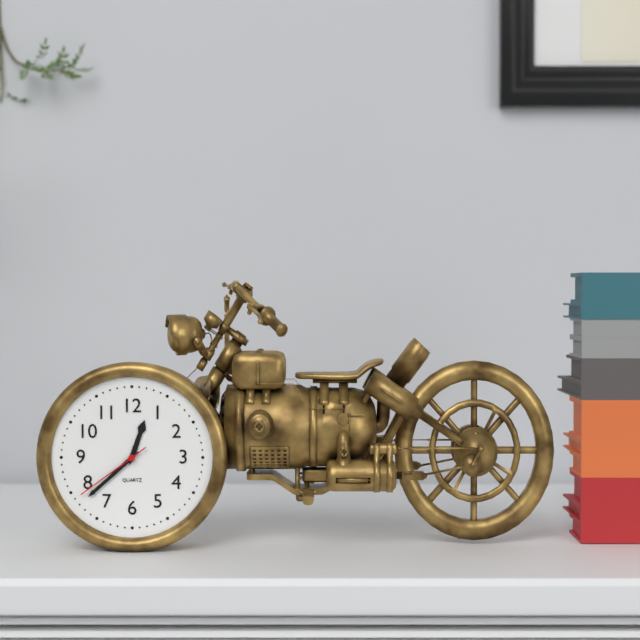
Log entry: 12:38:39
